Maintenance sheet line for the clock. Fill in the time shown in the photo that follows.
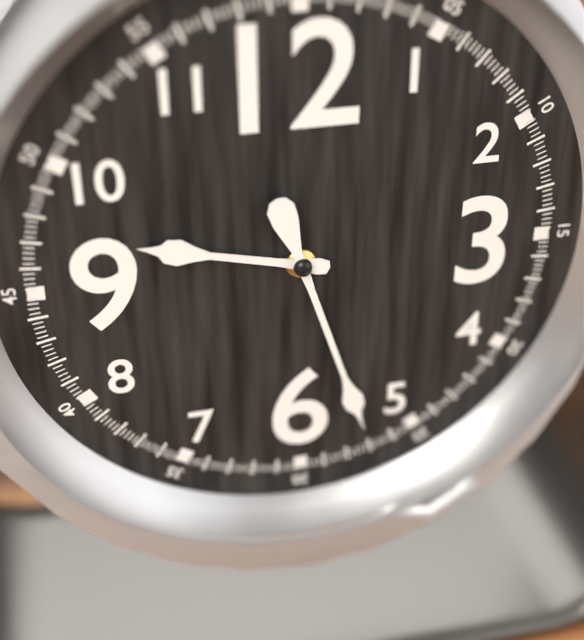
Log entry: 9:27
